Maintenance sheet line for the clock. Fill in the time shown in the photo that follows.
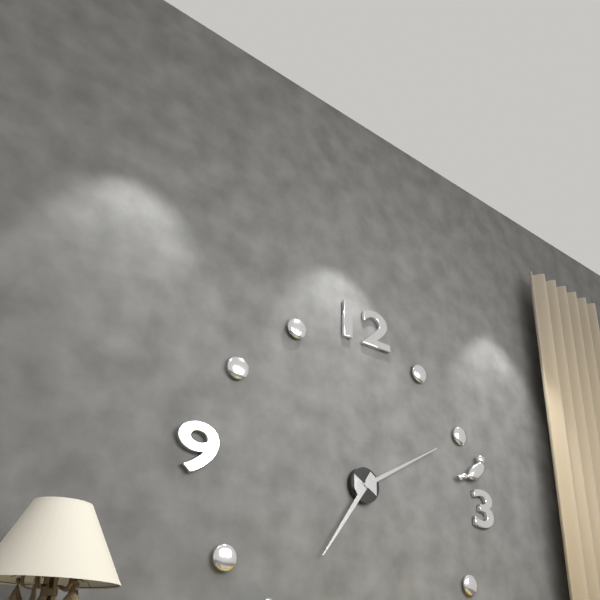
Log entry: 7:10
